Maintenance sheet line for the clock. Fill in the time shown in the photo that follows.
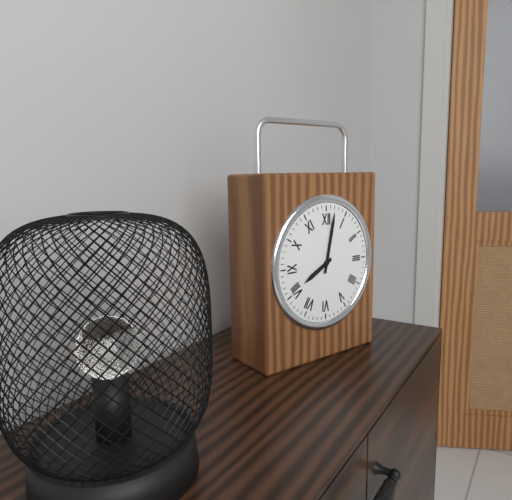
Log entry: 8:02
